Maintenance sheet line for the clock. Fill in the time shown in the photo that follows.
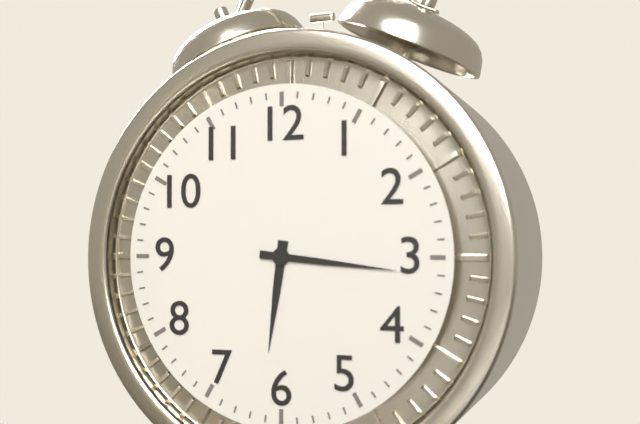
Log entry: 6:16
